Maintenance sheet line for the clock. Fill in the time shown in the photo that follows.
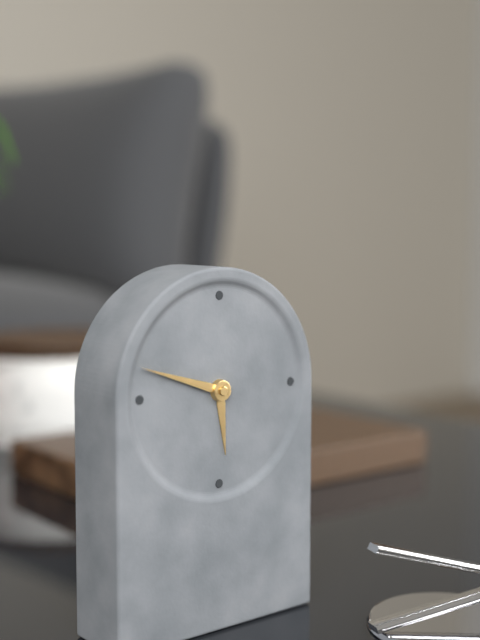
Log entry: 5:48
